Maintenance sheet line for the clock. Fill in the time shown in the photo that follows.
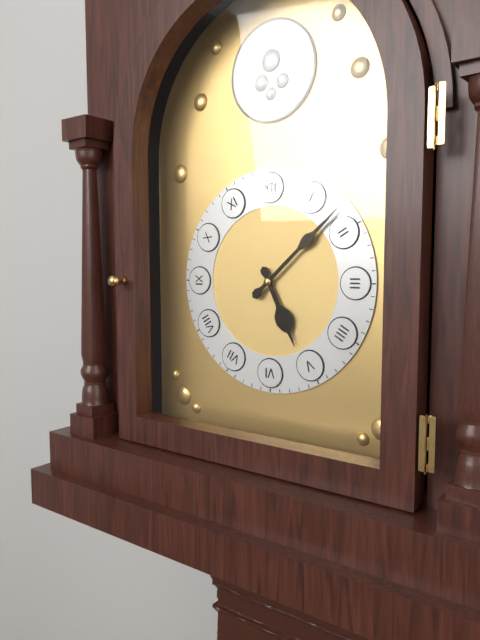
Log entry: 5:08
